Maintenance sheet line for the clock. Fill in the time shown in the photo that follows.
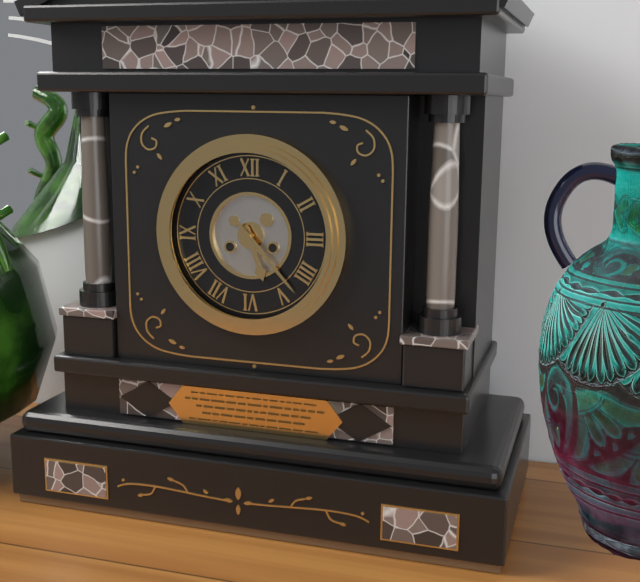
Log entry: 5:23
